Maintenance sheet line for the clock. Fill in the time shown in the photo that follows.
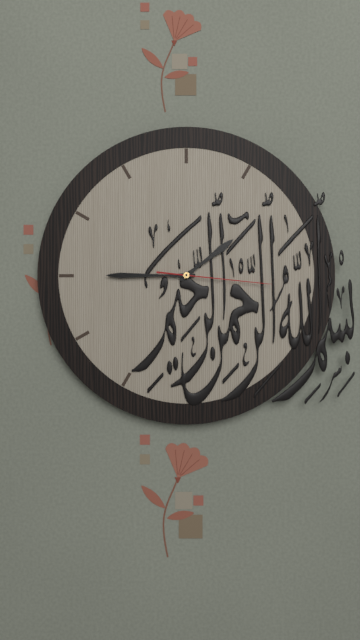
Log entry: 1:45:16
